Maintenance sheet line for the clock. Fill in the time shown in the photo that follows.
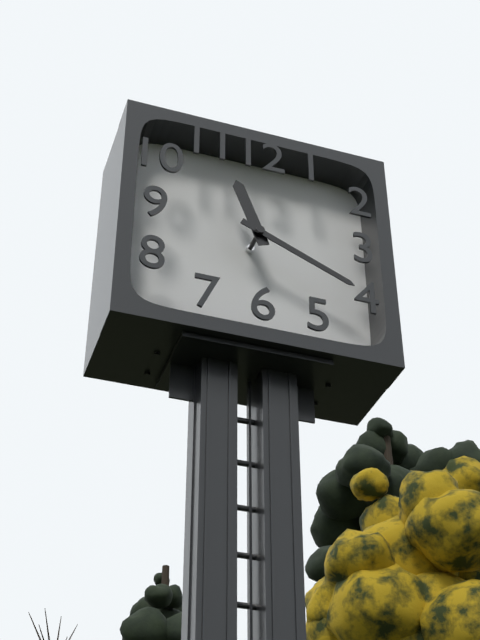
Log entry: 11:19
